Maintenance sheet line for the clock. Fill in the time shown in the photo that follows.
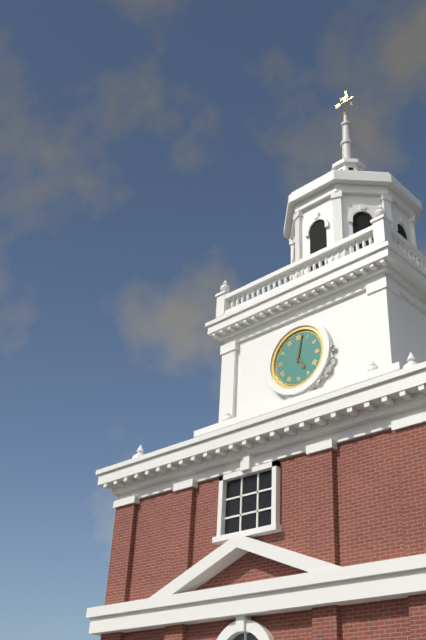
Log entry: 5:02
